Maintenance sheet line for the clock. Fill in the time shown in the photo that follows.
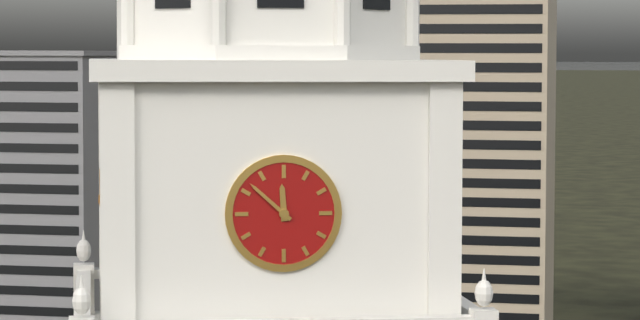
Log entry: 11:52
